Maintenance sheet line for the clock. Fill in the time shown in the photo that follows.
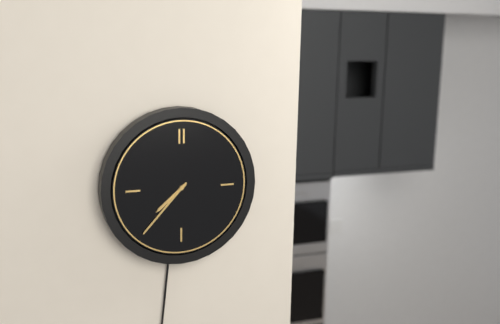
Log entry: 7:37
